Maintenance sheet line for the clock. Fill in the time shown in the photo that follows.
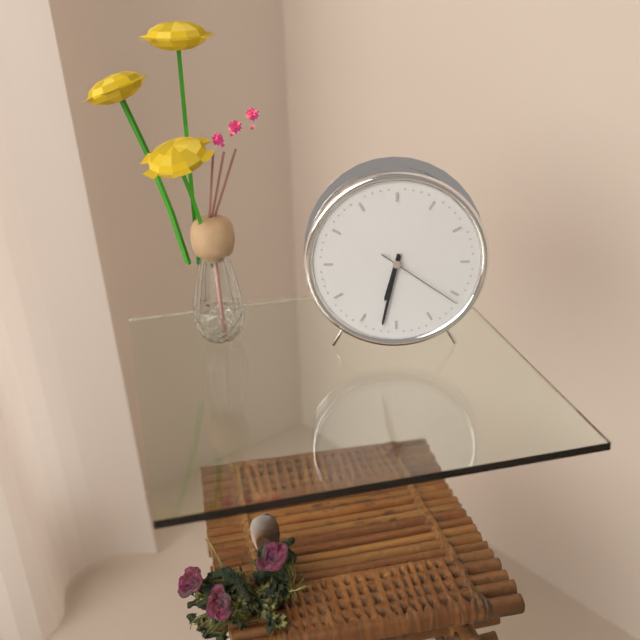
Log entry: 6:32:21
